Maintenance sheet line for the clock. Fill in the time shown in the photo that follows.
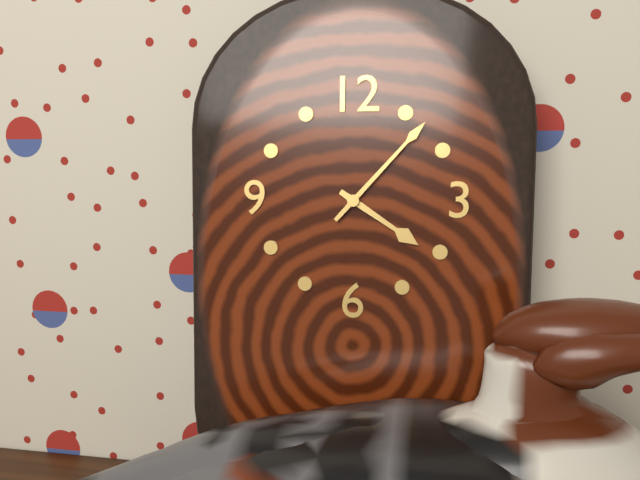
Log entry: 4:07
